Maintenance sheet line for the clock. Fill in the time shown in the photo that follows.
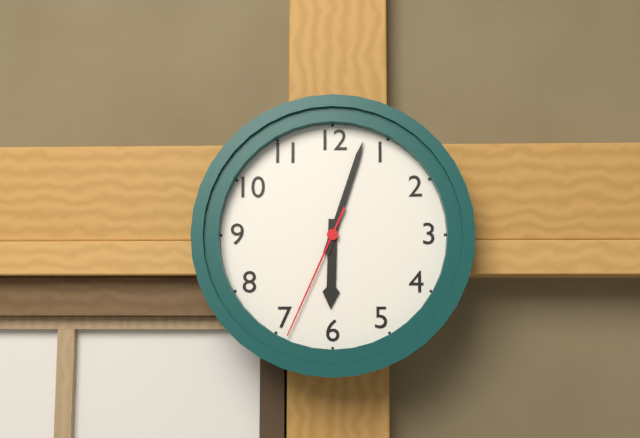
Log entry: 6:03:34
